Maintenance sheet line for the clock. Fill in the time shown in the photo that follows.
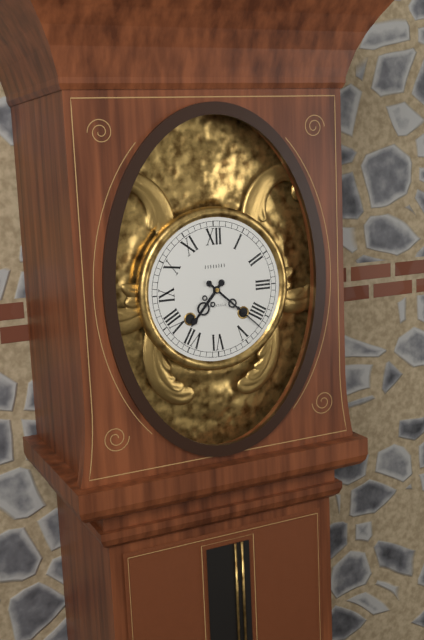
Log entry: 7:22
